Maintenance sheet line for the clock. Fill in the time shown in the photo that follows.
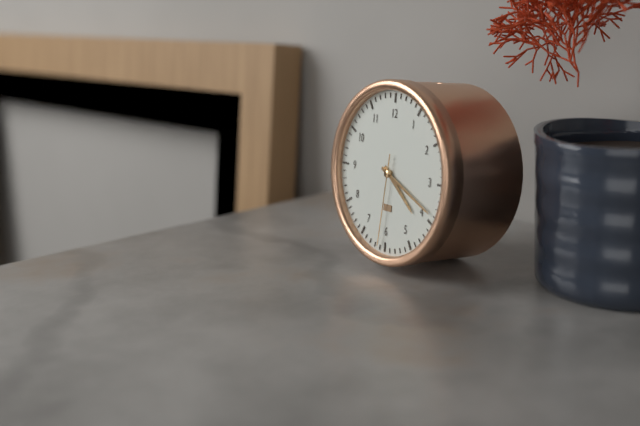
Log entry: 4:19:31
